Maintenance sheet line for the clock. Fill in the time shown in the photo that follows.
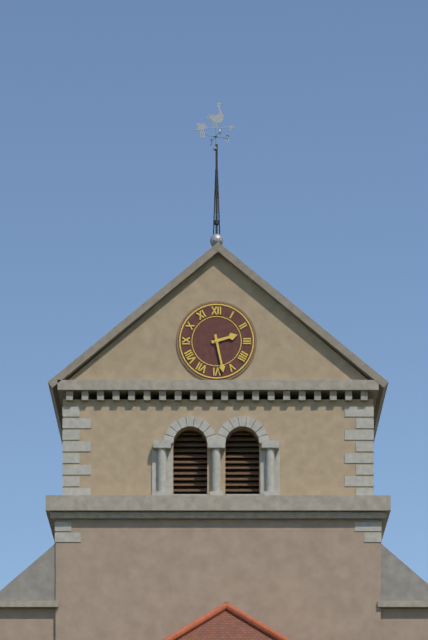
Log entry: 2:28
